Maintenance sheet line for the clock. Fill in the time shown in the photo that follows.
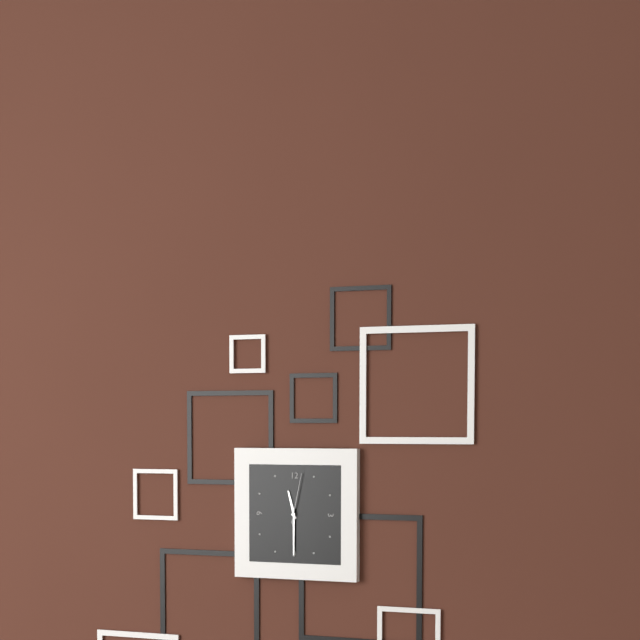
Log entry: 11:30:02
